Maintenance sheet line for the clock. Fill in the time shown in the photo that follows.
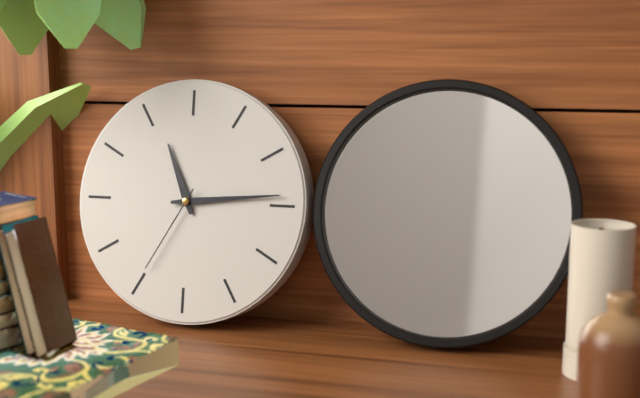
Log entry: 11:14:35
